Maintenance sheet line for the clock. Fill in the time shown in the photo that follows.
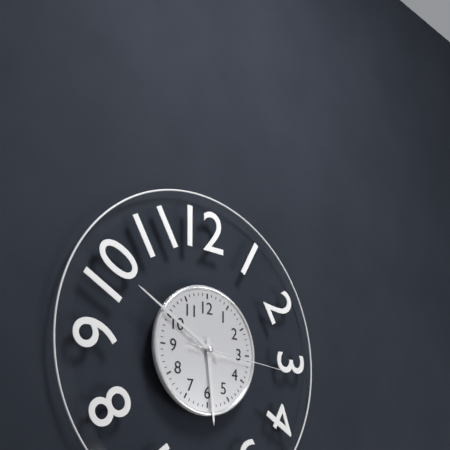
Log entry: 5:50:16
